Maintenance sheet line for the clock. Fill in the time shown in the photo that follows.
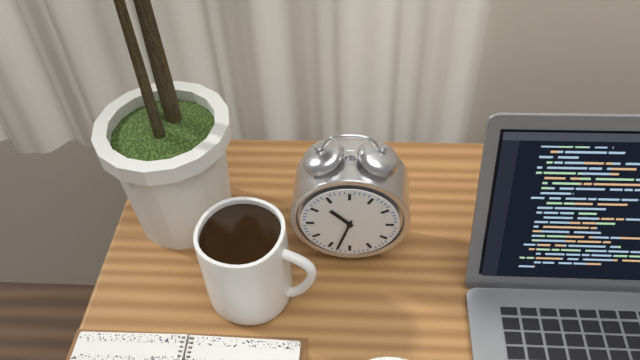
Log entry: 10:33
